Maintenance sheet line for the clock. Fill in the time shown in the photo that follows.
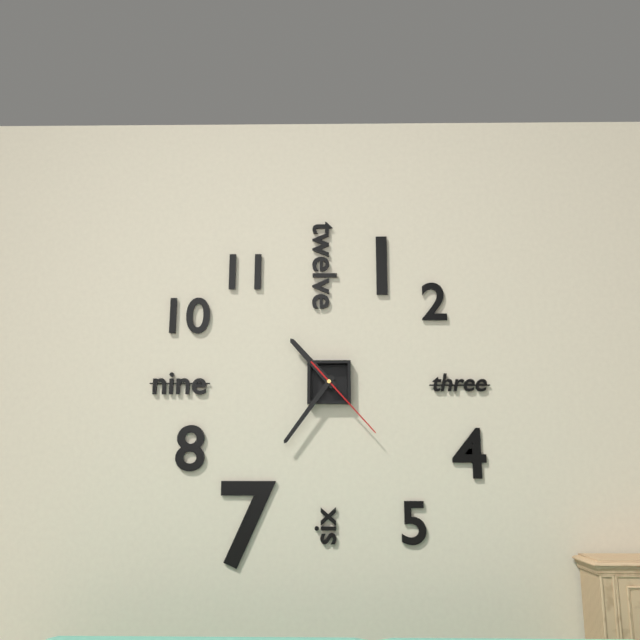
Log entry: 10:36:23
